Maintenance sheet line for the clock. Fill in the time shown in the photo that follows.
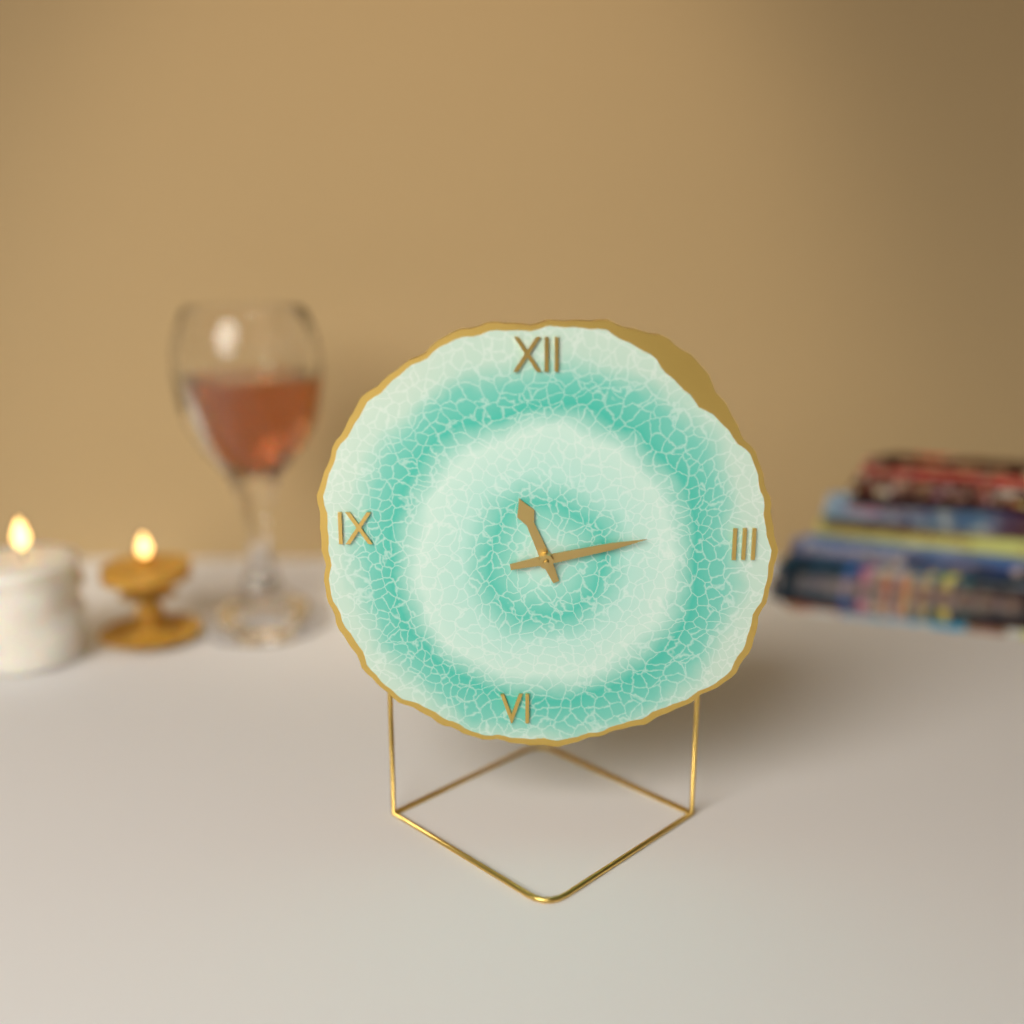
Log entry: 11:13
